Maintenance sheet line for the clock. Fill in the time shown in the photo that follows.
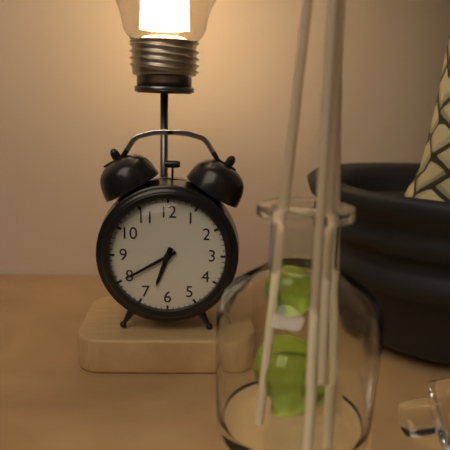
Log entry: 6:40
